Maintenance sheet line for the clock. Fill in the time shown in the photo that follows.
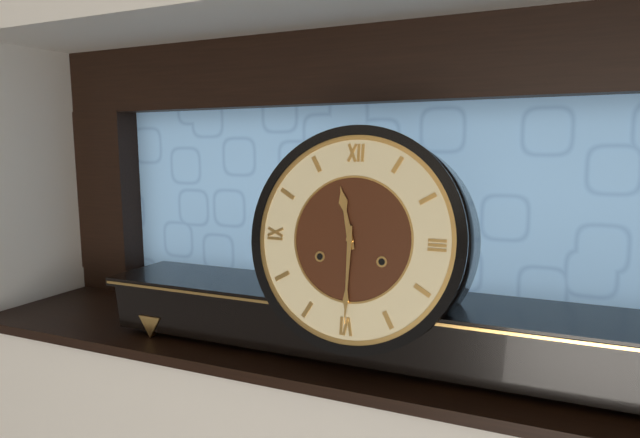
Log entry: 11:30
